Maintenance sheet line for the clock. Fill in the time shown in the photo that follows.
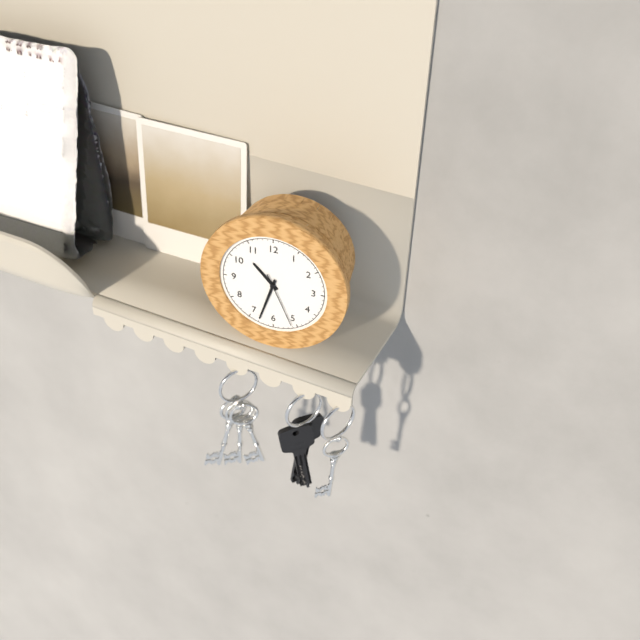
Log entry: 10:33:26
